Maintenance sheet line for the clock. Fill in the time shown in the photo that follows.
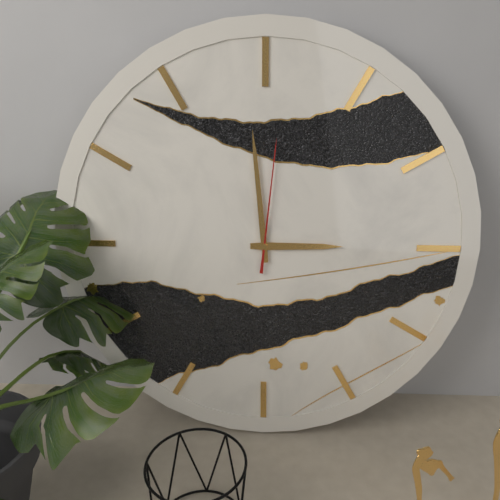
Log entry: 2:59:01
